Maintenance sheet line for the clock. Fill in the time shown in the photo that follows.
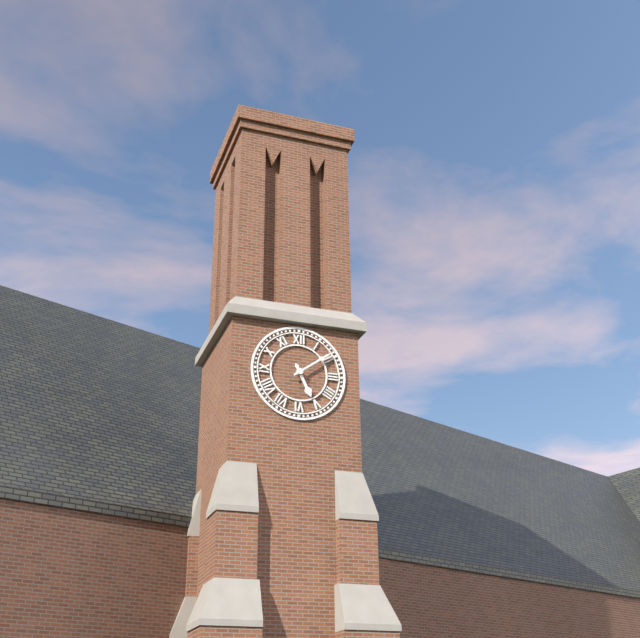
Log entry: 5:09
